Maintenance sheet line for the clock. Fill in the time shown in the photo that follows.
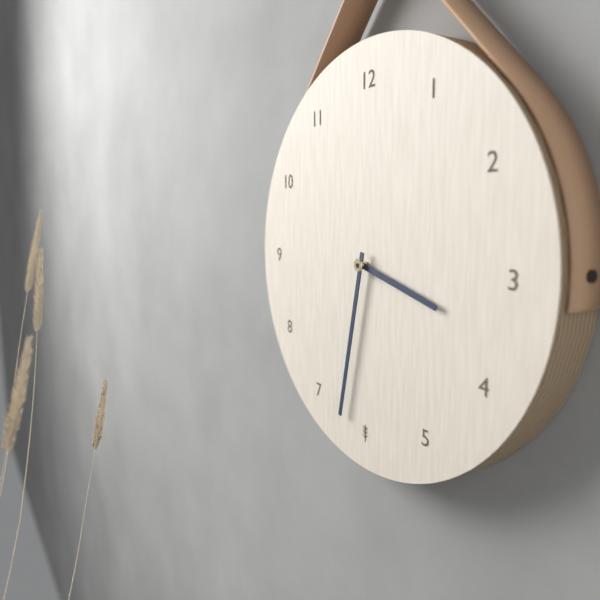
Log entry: 3:32
